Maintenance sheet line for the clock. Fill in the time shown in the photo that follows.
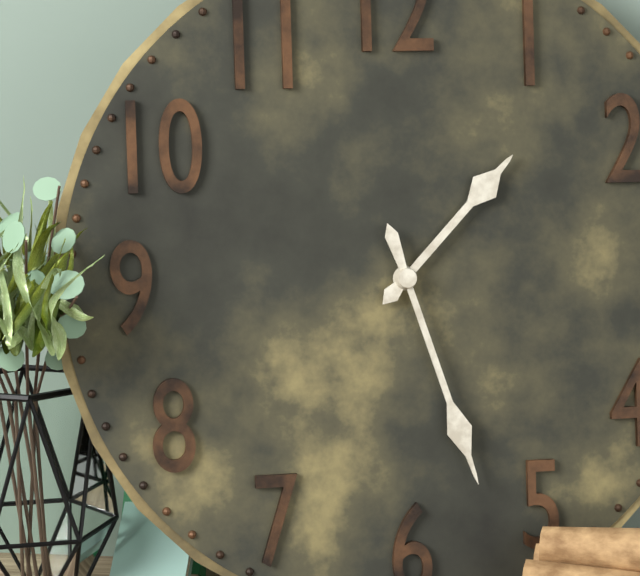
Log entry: 1:27
